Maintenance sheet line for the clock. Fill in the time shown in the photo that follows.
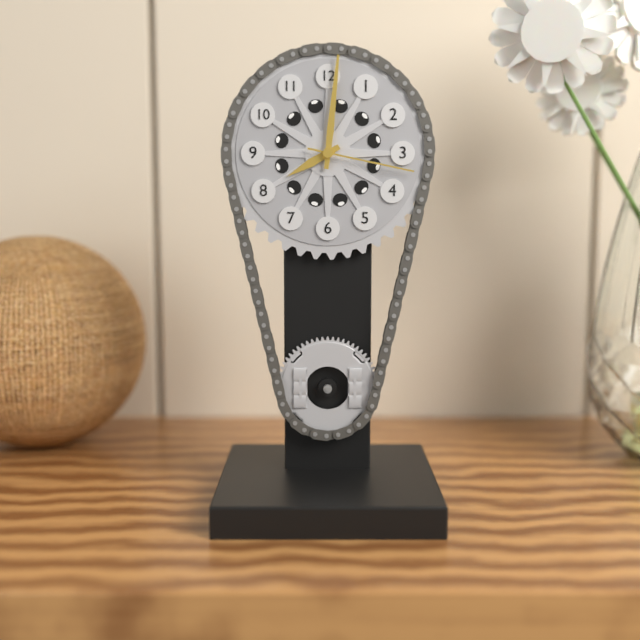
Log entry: 8:01:17
